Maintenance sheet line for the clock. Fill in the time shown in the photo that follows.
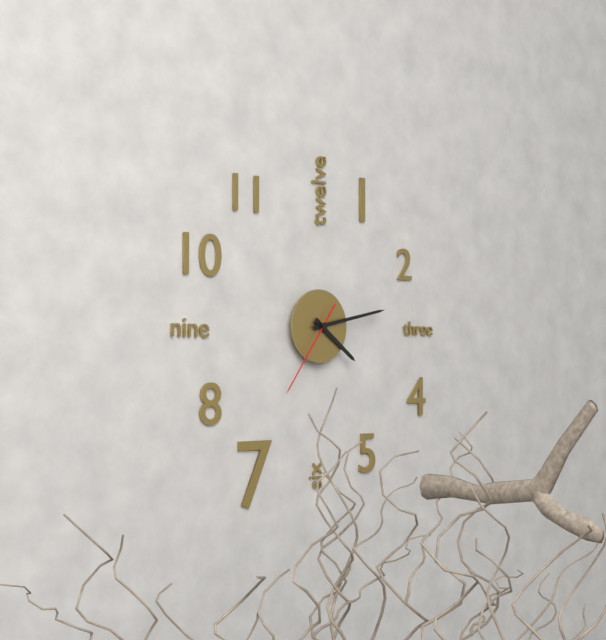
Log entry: 4:13:36
